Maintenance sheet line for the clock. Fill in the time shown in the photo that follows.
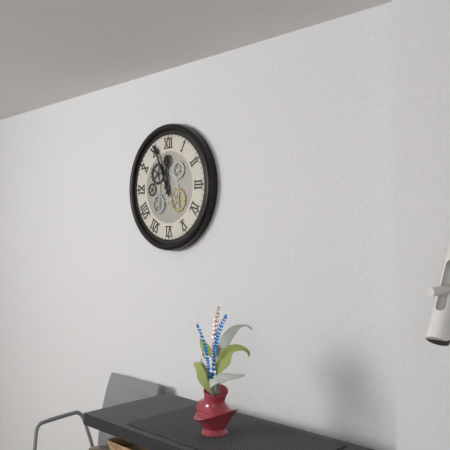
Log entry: 11:56
